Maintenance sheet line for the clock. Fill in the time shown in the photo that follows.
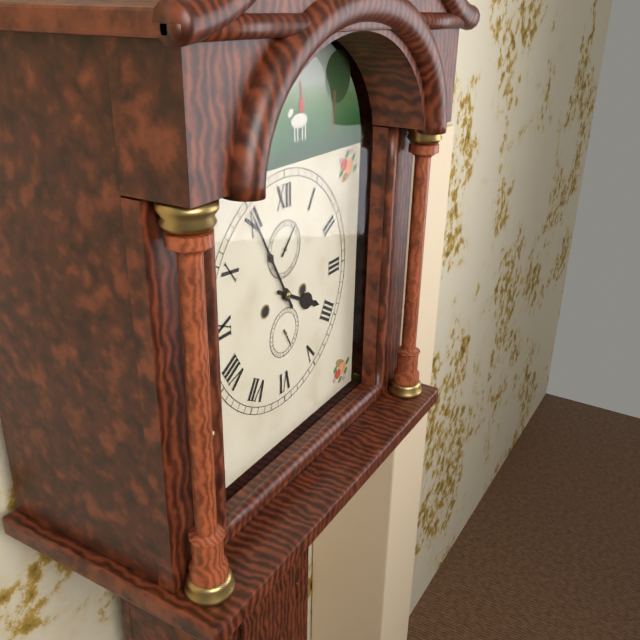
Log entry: 3:55
